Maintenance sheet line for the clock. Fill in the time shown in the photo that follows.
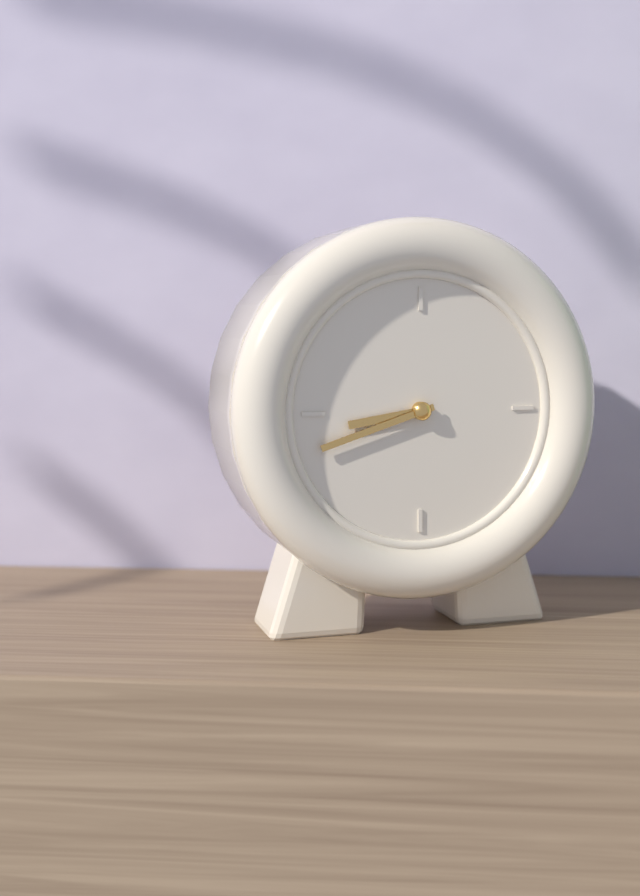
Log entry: 8:42
